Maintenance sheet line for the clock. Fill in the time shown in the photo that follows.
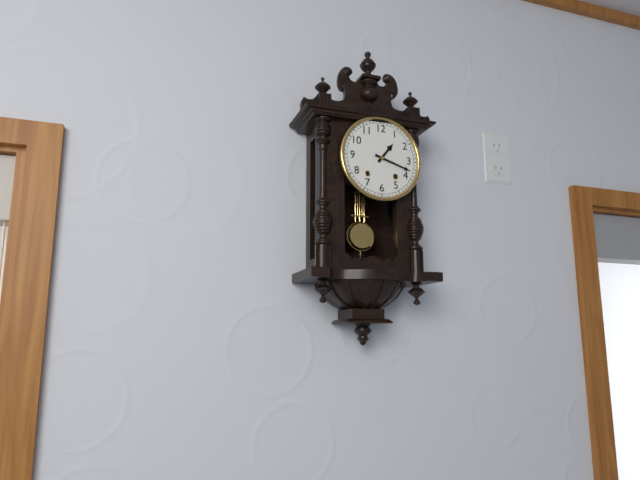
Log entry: 1:18
